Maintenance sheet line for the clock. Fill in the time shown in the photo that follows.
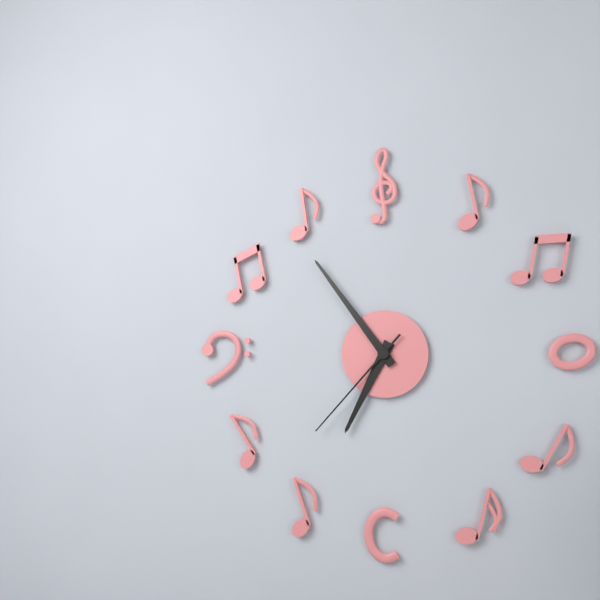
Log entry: 6:54:37
